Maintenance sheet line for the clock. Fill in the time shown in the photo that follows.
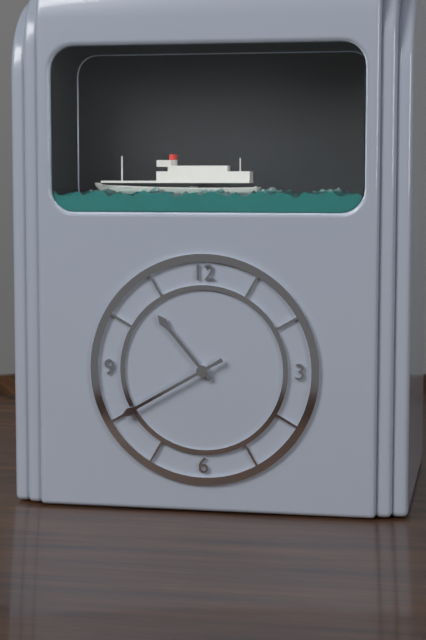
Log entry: 10:40
